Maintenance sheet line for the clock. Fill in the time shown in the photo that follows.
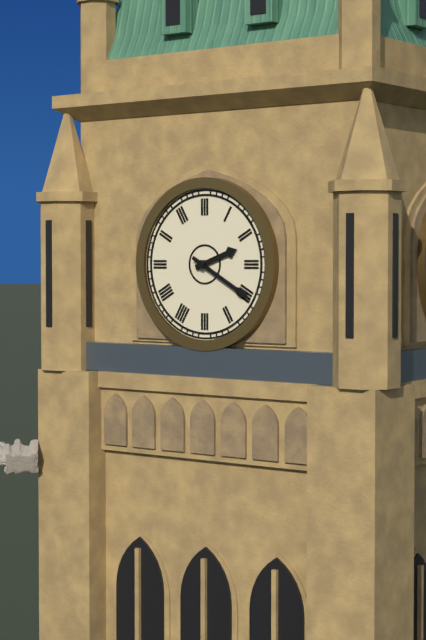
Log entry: 2:20
